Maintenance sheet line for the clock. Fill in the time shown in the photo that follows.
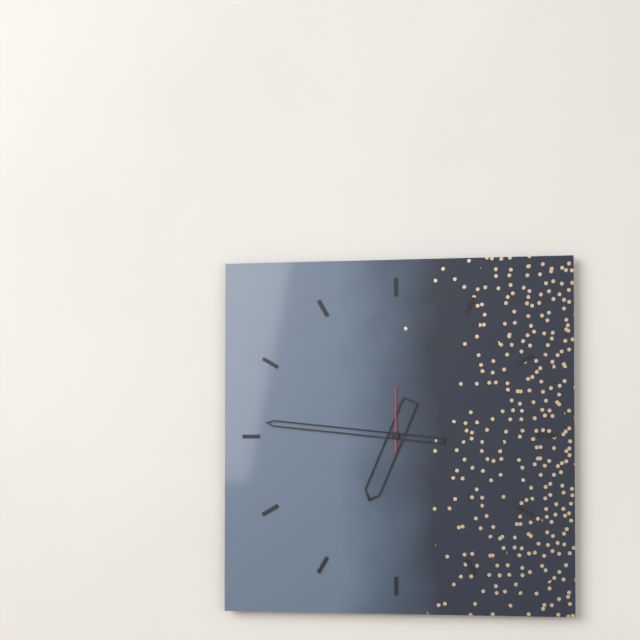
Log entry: 6:46:00
